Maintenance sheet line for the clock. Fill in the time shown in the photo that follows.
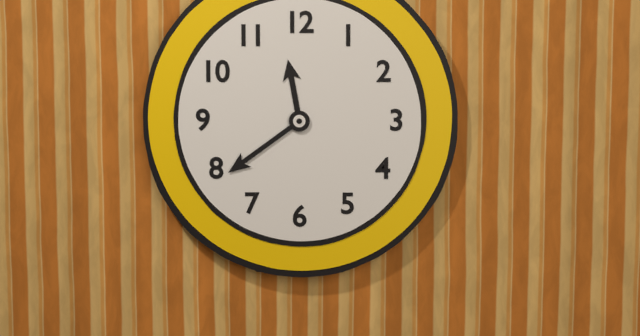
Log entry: 11:39
